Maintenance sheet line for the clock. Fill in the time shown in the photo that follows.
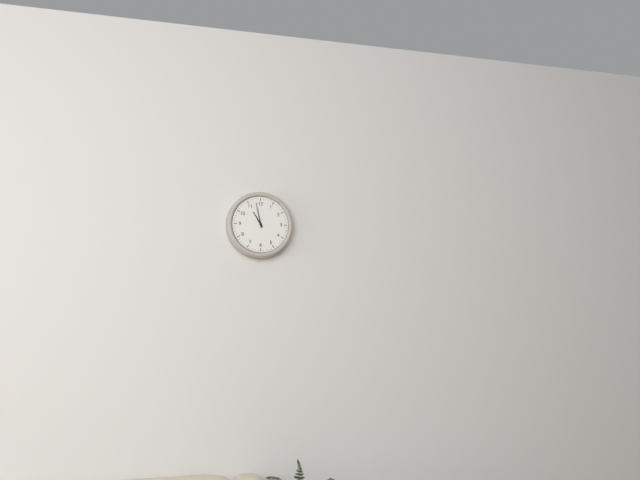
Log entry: 10:58
